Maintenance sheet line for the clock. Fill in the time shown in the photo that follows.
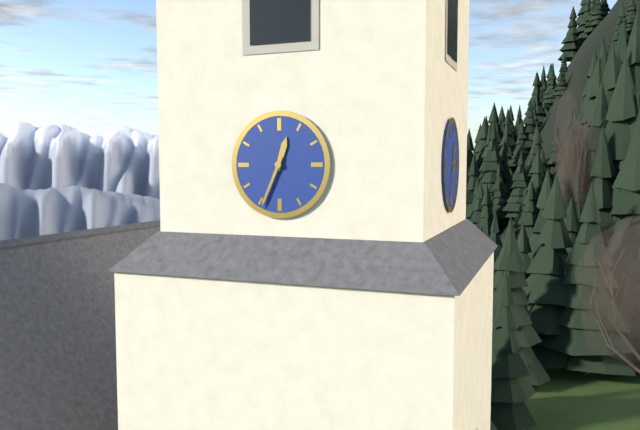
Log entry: 12:34
